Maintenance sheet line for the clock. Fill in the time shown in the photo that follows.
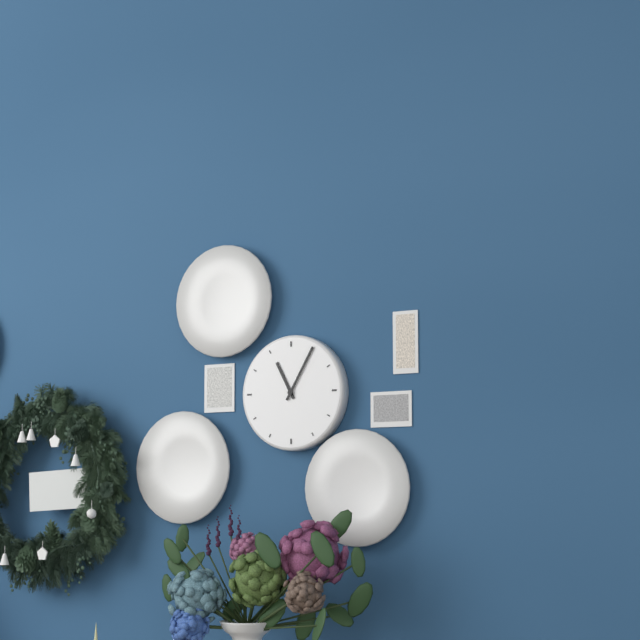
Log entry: 11:05
